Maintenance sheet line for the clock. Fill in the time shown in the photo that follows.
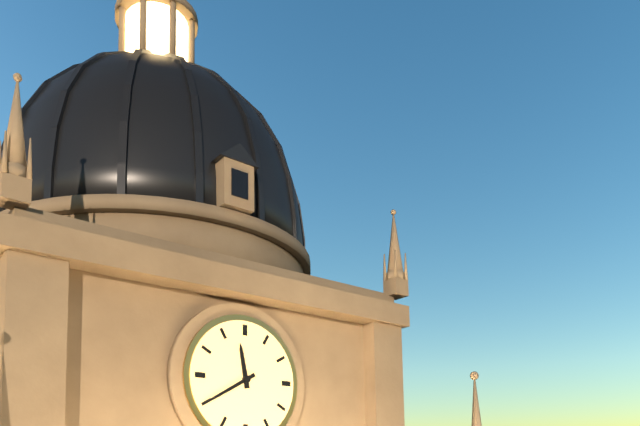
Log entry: 11:40
